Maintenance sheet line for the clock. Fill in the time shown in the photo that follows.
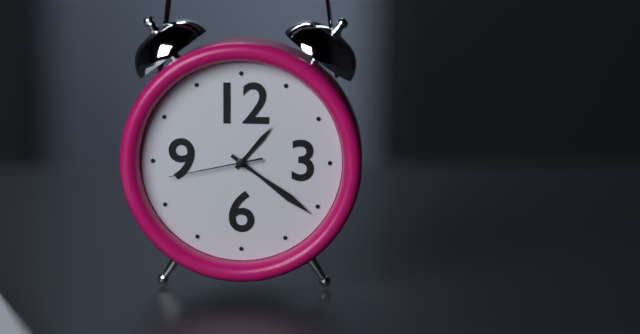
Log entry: 1:21:43
